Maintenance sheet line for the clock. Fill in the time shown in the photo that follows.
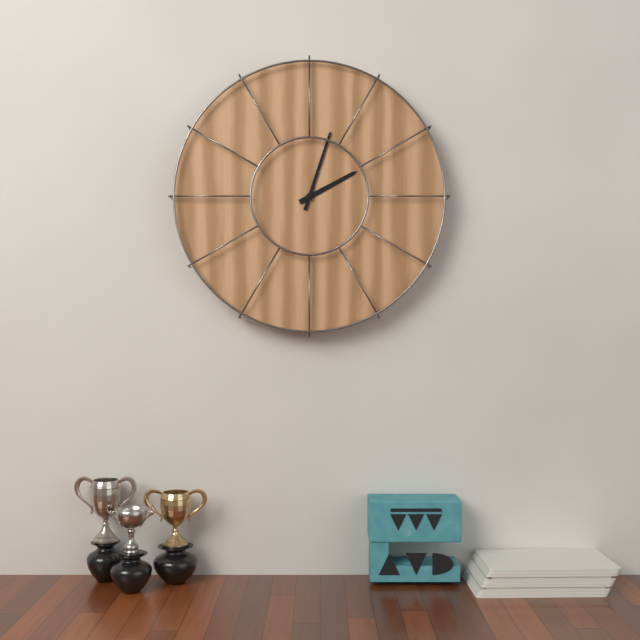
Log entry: 2:03
